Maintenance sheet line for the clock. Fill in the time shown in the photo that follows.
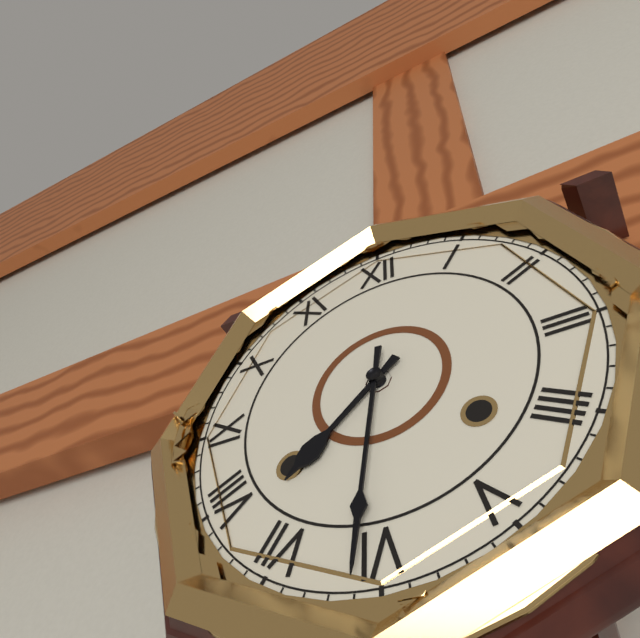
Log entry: 7:31
